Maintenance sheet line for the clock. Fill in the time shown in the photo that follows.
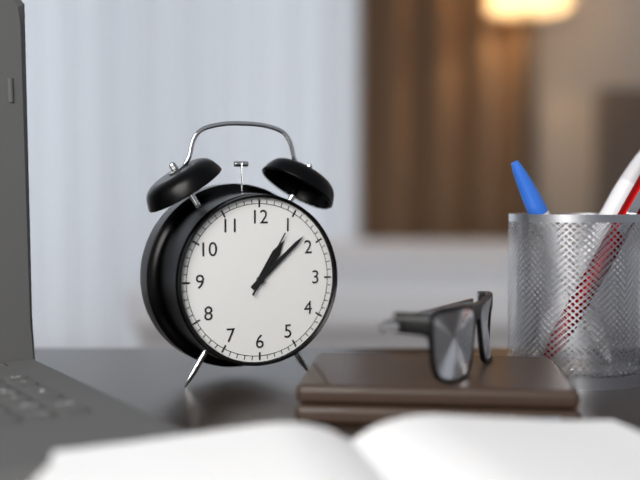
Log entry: 1:08:05
